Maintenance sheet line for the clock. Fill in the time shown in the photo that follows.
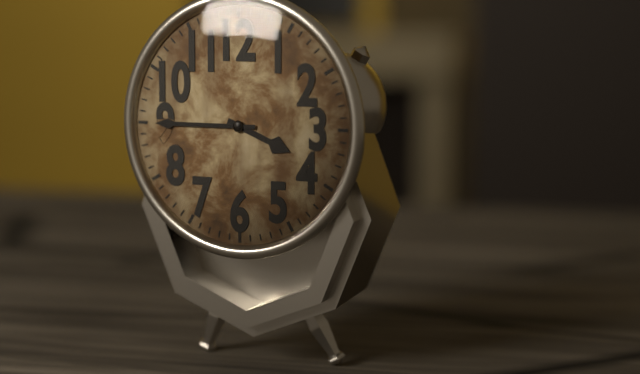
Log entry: 3:45
